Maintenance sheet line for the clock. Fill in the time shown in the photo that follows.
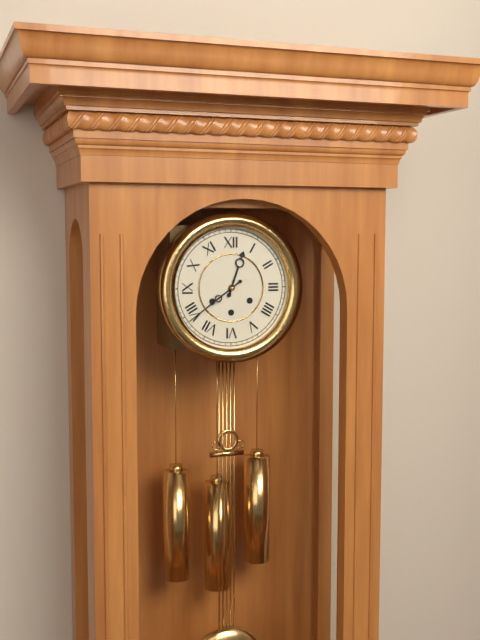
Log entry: 12:39
